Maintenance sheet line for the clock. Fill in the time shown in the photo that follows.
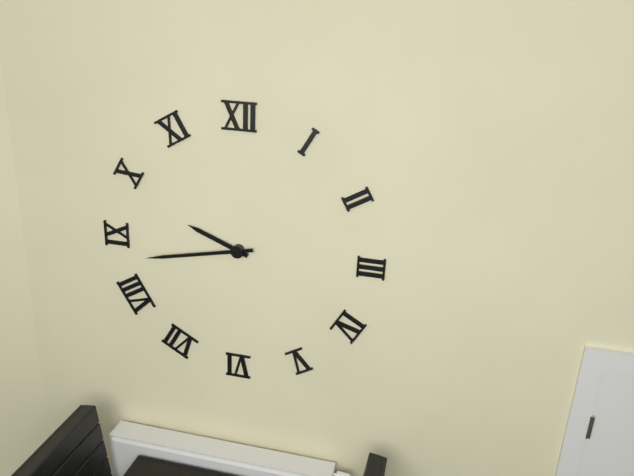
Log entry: 9:43
